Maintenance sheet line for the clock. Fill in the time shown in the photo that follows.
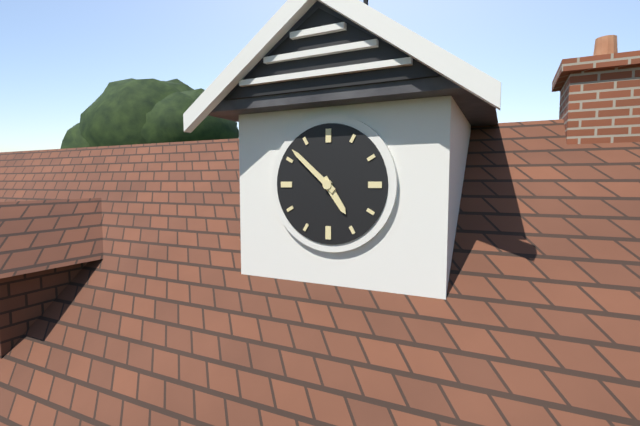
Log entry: 4:52
